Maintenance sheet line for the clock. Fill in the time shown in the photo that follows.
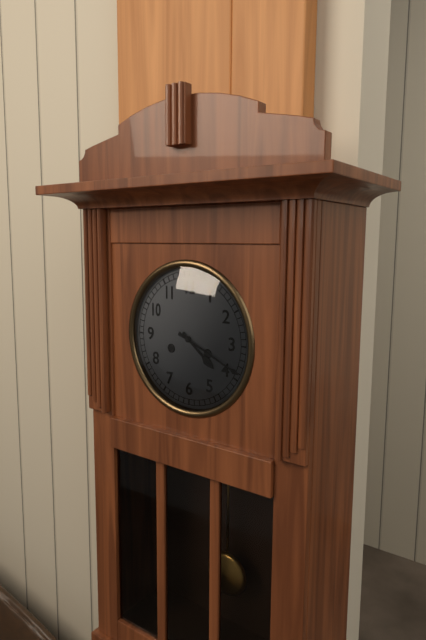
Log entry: 4:19
